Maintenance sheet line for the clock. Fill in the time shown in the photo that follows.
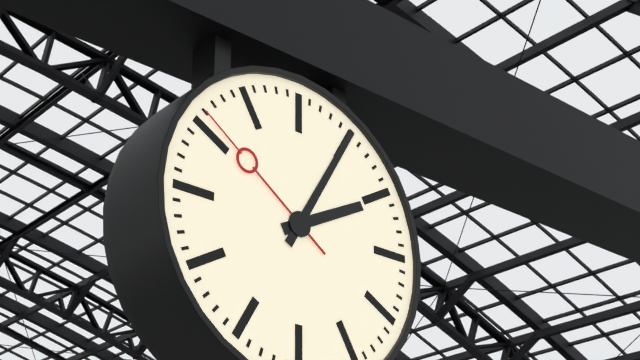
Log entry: 2:05:51
